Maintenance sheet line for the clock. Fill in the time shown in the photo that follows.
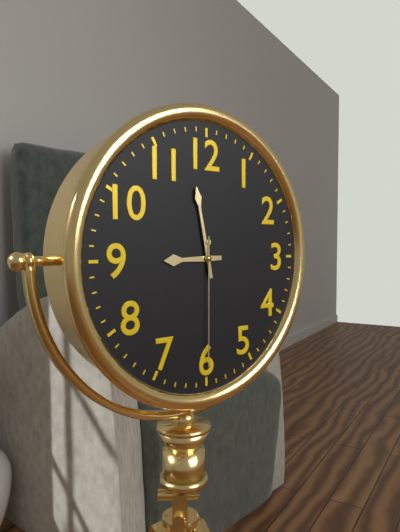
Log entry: 8:58:30
